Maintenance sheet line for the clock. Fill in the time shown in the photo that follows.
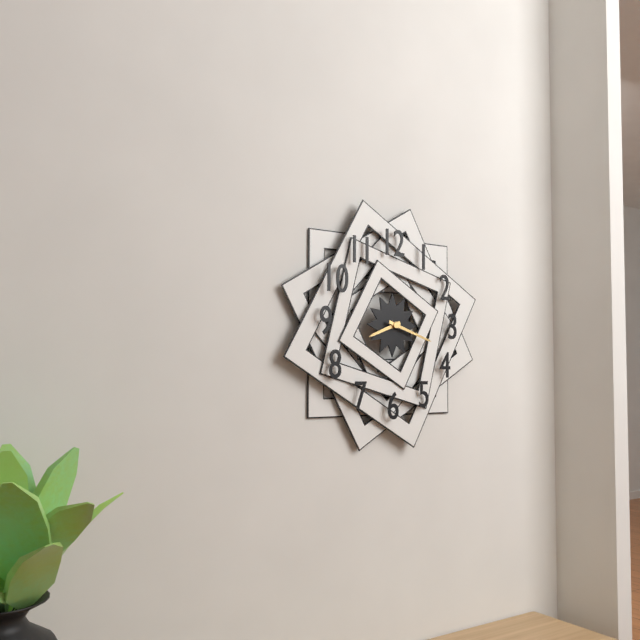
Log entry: 8:18
